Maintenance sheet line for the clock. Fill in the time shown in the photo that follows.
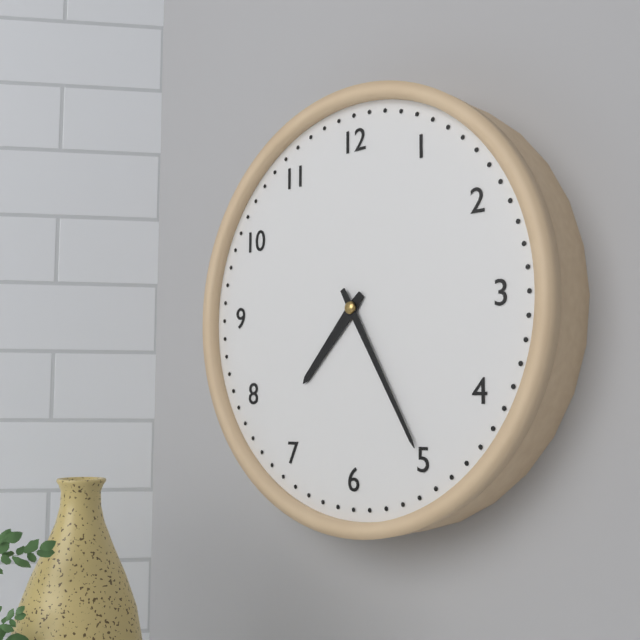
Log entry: 7:25
